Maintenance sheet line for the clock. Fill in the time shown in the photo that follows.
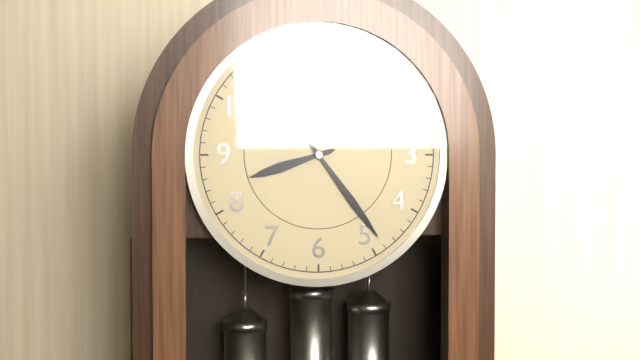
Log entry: 8:24
